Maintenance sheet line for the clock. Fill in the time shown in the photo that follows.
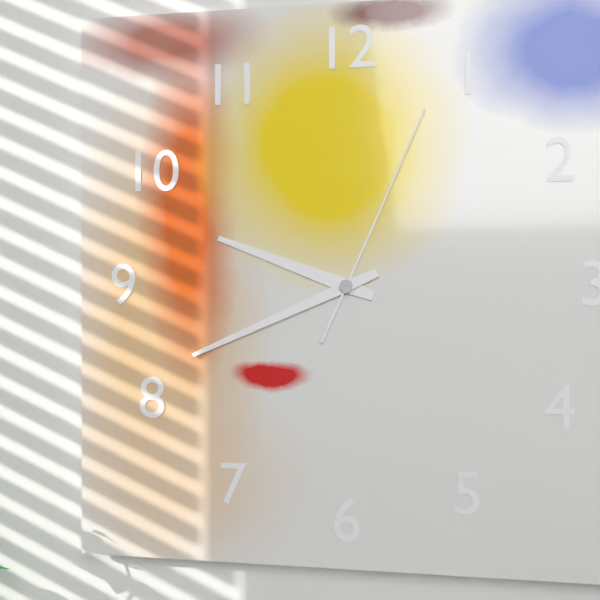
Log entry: 9:41:04
